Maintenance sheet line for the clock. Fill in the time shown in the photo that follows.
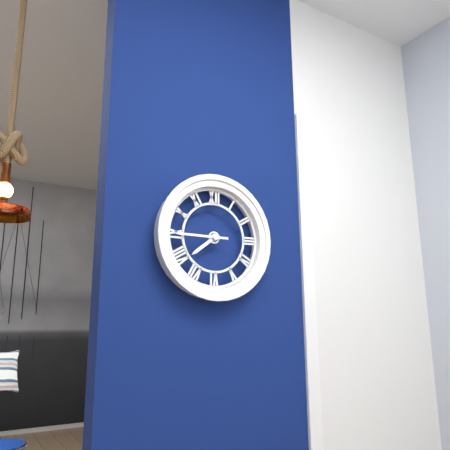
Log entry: 7:45
